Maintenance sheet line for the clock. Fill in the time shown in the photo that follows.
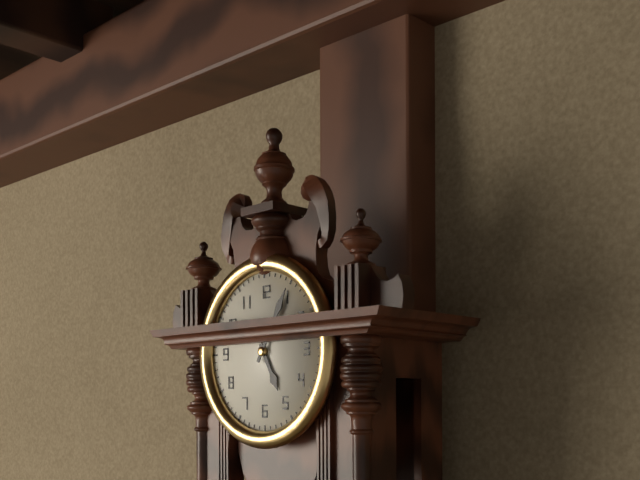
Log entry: 5:05
